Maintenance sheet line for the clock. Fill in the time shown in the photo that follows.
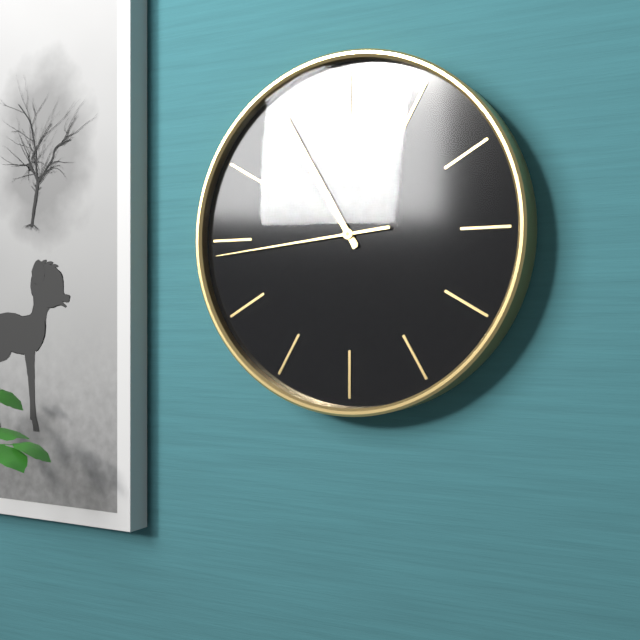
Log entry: 10:55:44
